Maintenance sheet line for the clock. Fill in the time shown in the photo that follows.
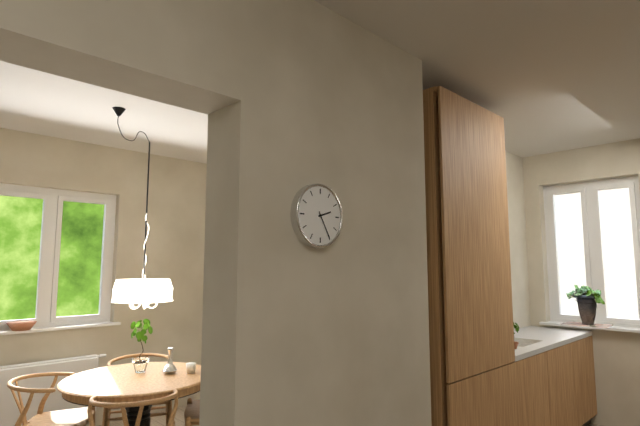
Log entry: 2:25
